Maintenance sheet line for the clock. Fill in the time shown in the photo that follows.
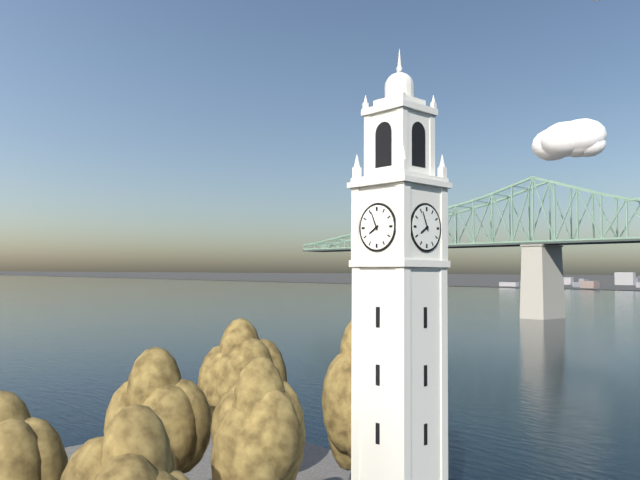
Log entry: 7:56
